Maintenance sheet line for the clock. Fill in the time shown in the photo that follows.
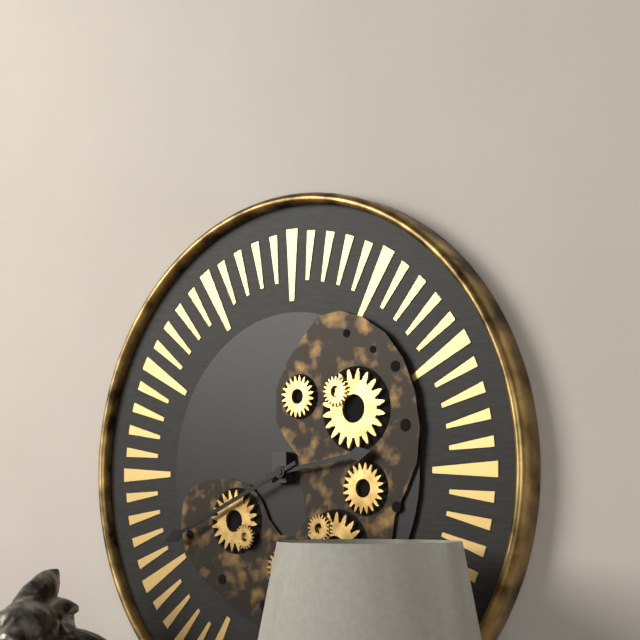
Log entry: 2:41
